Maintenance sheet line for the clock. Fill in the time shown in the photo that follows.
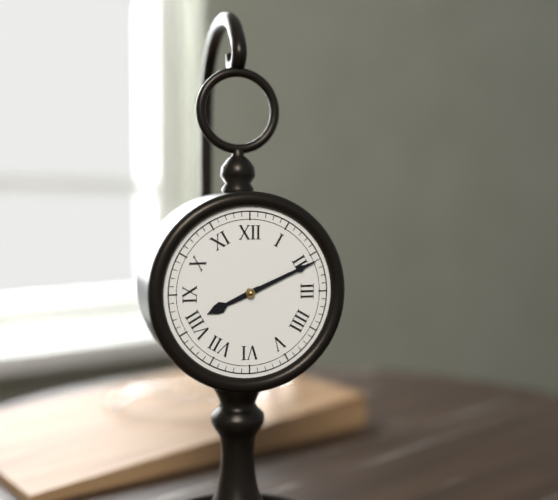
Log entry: 8:11
